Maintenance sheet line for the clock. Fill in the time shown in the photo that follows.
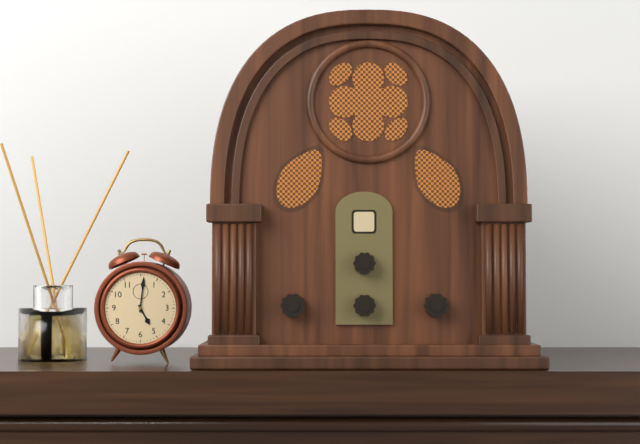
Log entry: 5:01
